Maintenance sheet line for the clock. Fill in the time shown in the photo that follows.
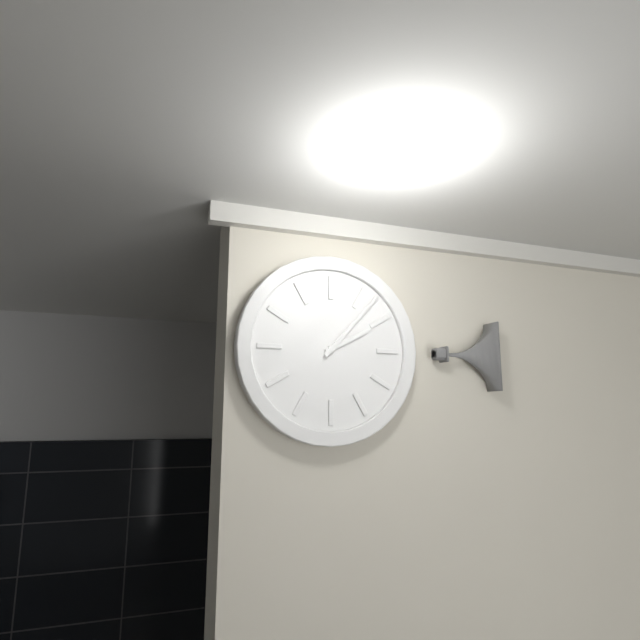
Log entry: 2:07
